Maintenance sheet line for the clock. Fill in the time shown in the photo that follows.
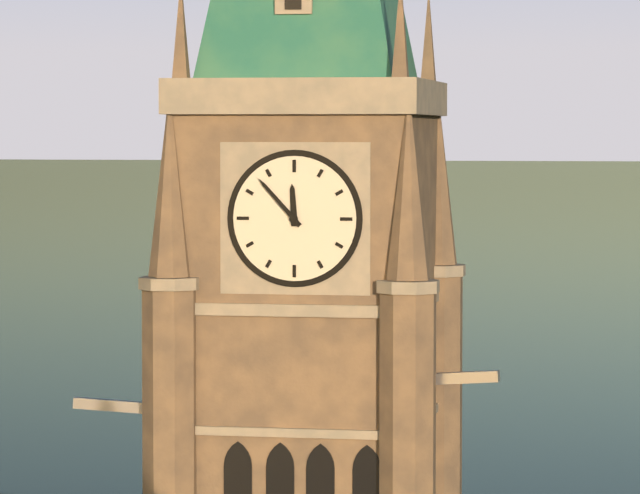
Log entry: 11:53
